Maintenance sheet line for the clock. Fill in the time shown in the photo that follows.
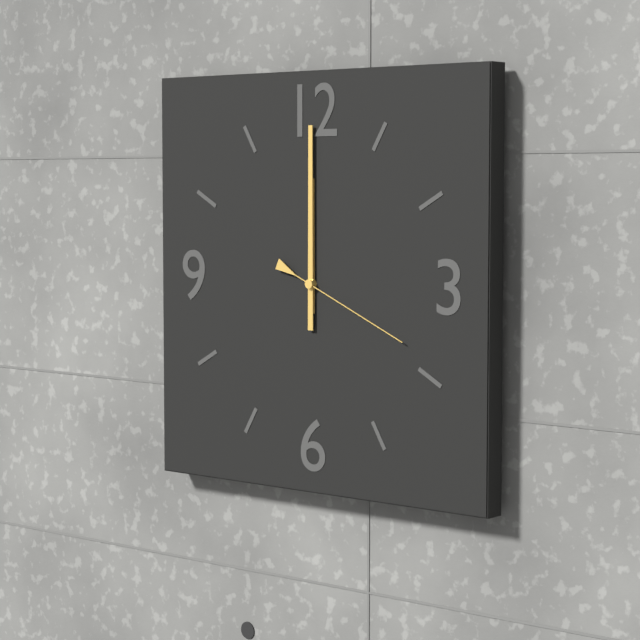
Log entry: 12:00:19
